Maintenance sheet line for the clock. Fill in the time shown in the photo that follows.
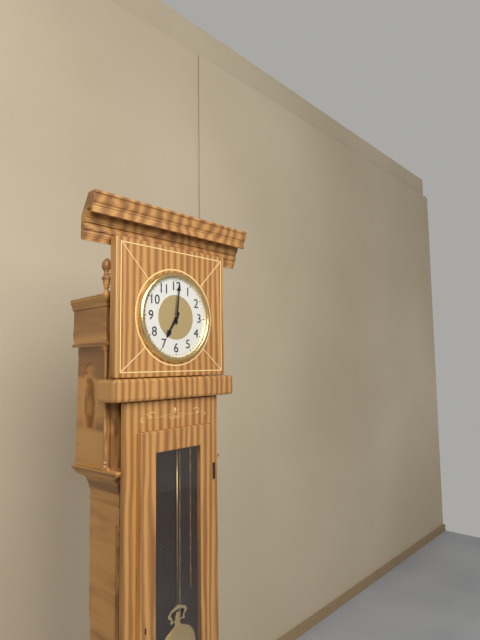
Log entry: 7:01
